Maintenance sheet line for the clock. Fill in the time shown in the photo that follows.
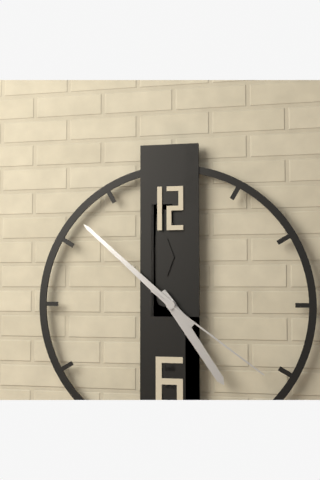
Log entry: 4:52:21
